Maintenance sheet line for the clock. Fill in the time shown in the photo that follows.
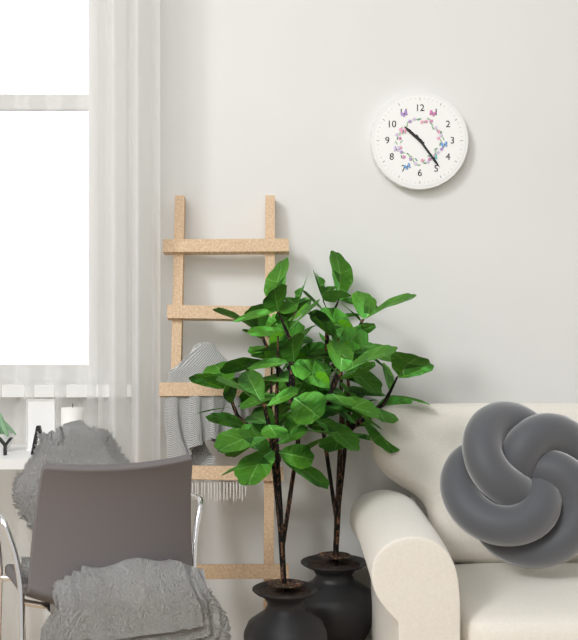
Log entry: 10:24
